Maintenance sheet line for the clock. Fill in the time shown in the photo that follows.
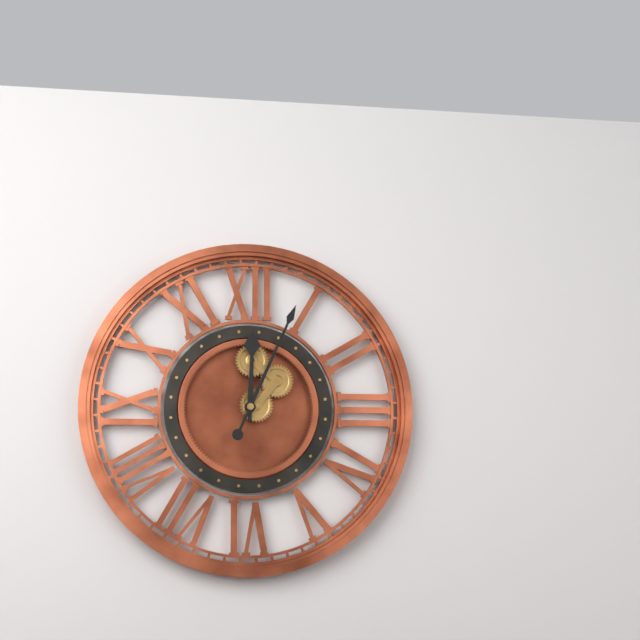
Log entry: 12:04
